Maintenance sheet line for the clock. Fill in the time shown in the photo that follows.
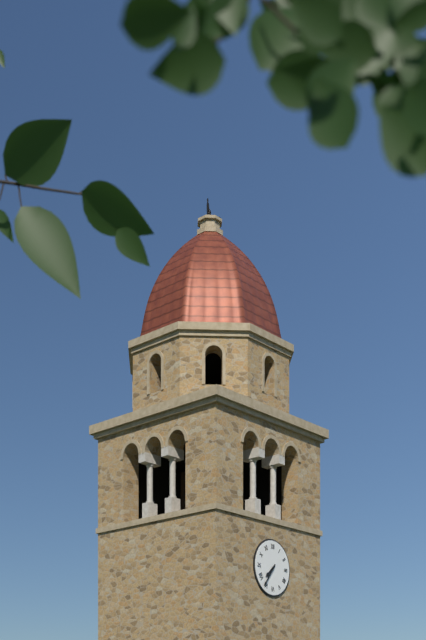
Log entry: 7:36
